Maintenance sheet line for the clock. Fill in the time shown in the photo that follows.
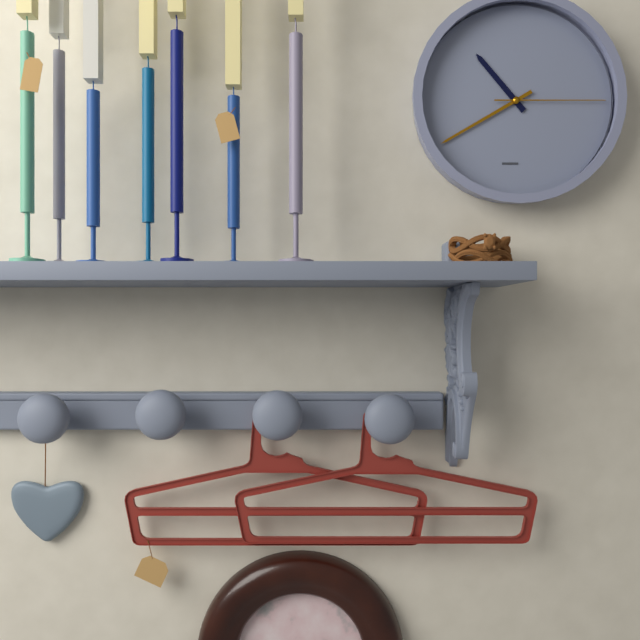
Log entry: 10:40:15
